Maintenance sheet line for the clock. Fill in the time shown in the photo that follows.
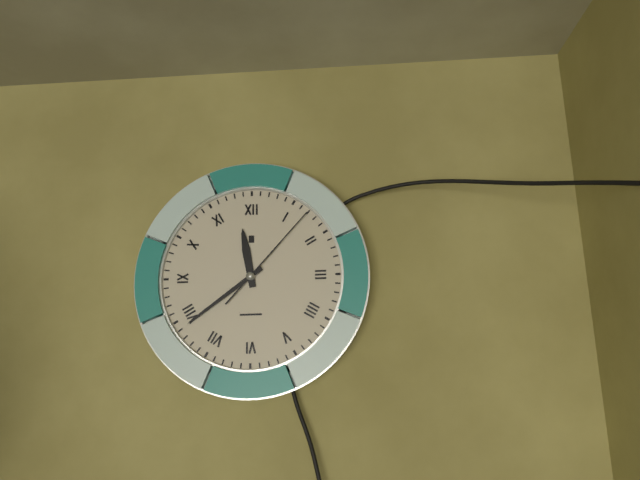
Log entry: 11:39:07
